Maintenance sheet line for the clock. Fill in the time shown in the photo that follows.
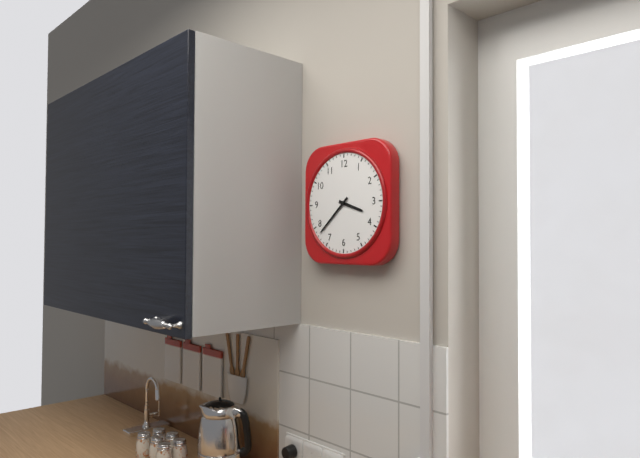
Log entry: 3:38
